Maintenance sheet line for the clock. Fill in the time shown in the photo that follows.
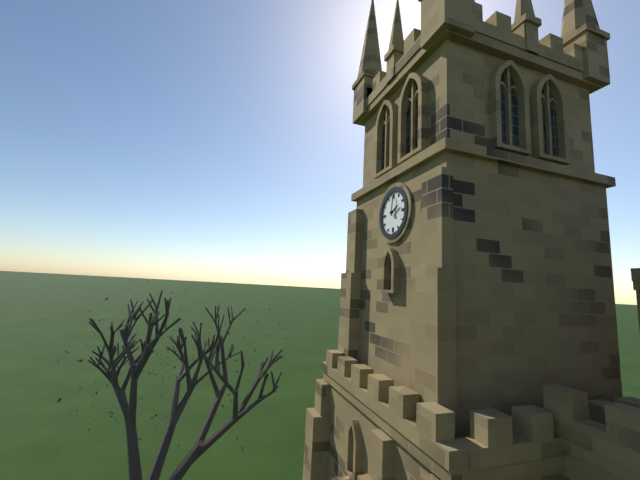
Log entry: 2:01
